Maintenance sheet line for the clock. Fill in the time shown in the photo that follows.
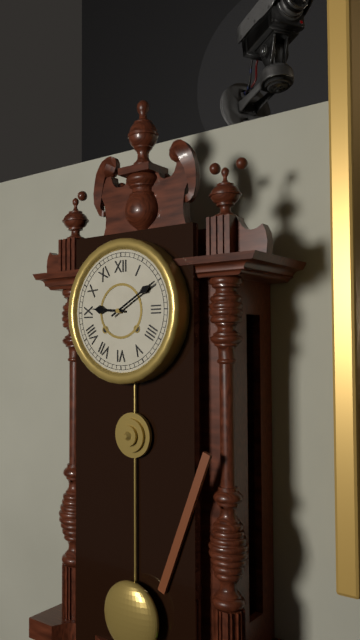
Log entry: 9:10
